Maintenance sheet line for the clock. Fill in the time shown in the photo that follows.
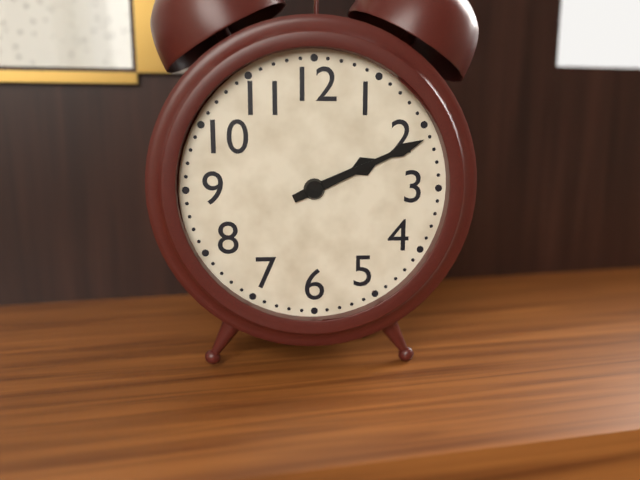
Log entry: 2:11
